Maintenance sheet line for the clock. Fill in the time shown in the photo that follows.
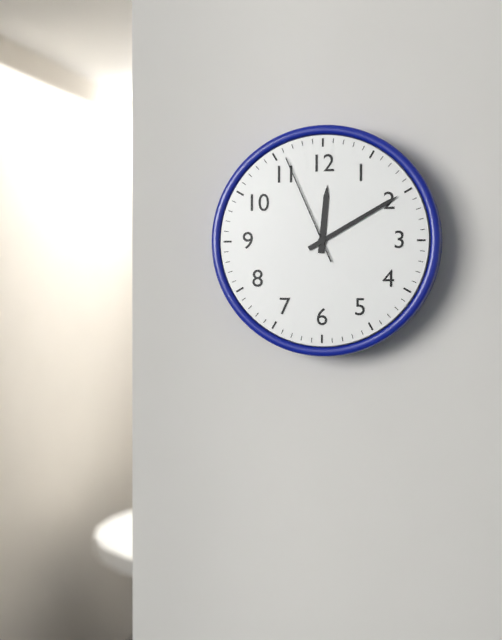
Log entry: 12:10:56
